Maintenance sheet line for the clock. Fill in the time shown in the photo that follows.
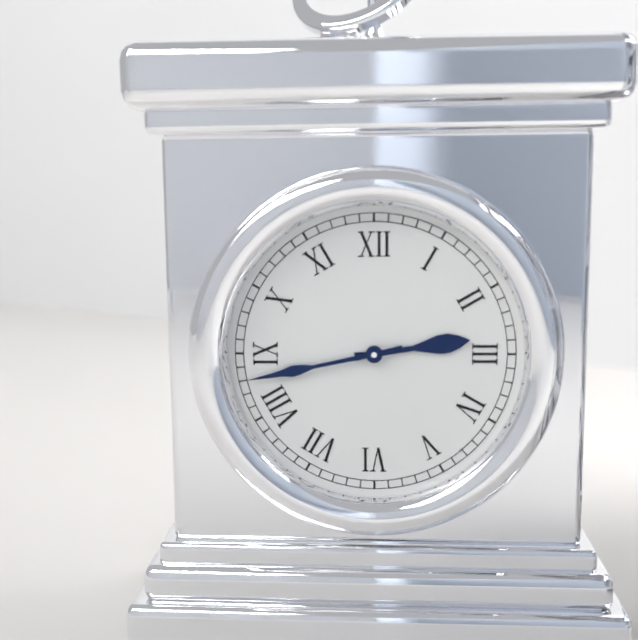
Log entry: 2:43
